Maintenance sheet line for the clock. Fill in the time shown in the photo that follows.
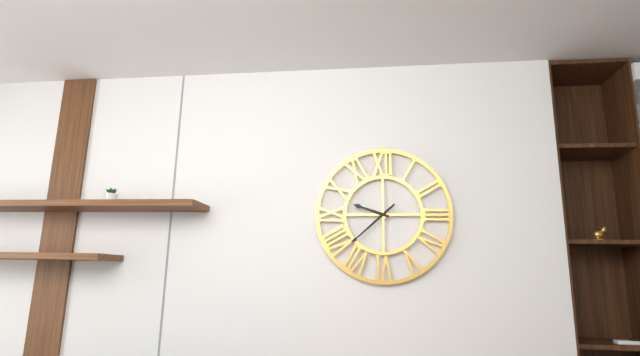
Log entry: 9:38
